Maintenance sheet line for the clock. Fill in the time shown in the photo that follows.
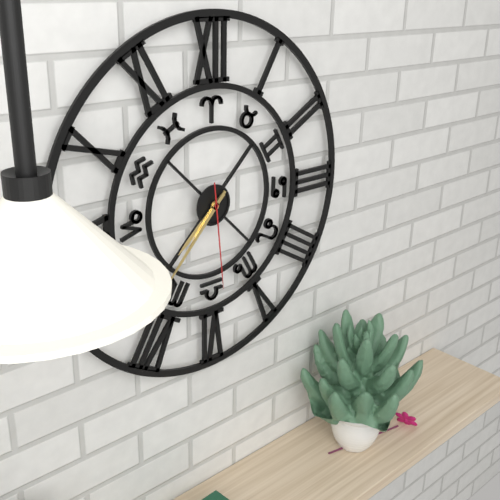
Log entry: 7:37:29
